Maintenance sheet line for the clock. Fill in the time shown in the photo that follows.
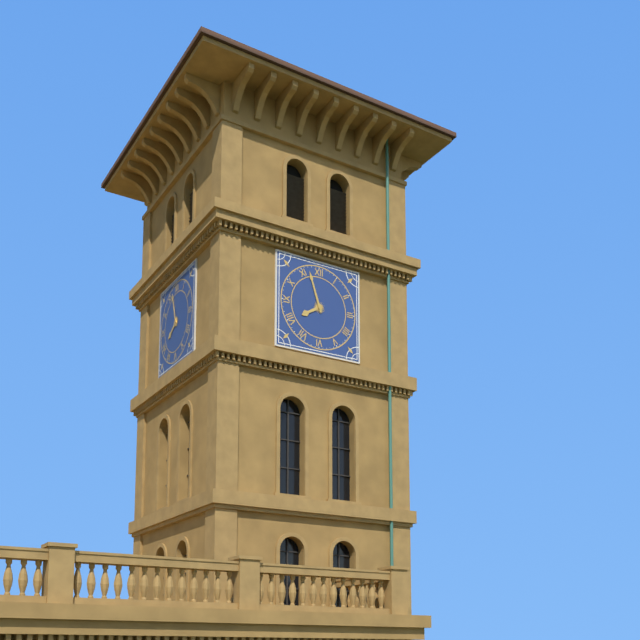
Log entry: 7:57
